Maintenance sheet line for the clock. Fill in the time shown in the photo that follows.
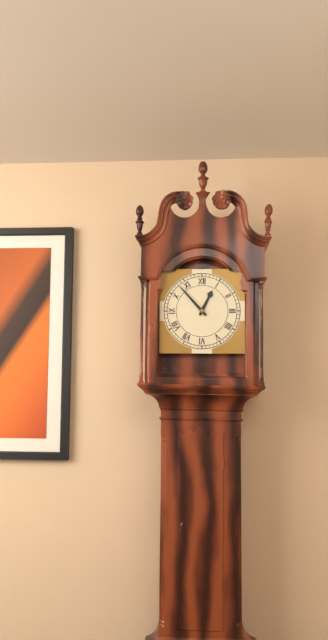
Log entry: 12:53
